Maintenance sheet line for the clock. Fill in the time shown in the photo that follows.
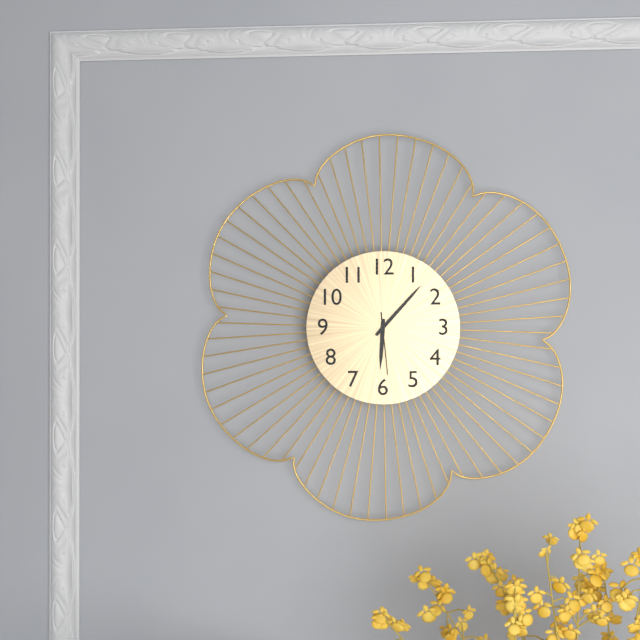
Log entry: 6:07:29
